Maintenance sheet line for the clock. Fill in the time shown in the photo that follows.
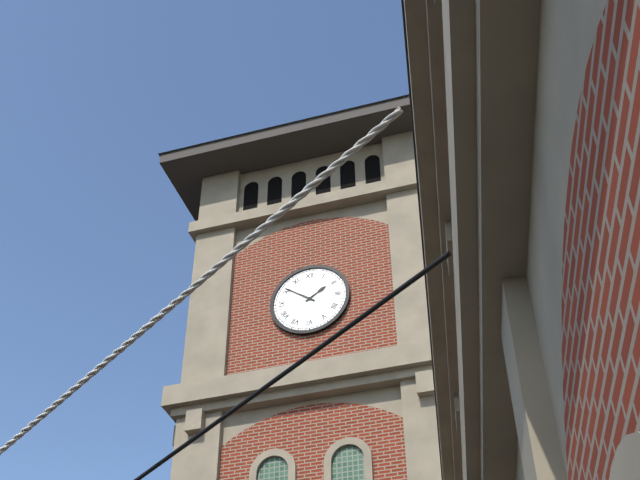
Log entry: 1:51
